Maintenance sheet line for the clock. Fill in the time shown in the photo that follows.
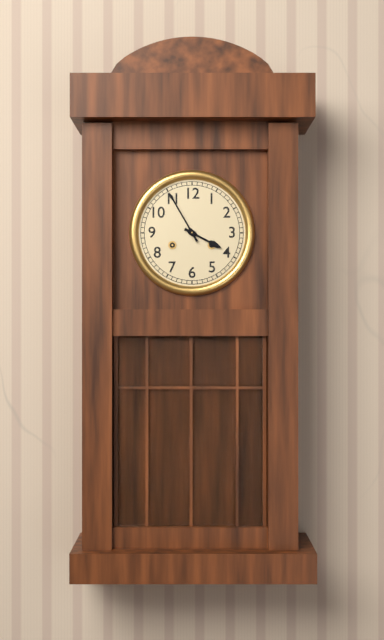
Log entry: 3:55
